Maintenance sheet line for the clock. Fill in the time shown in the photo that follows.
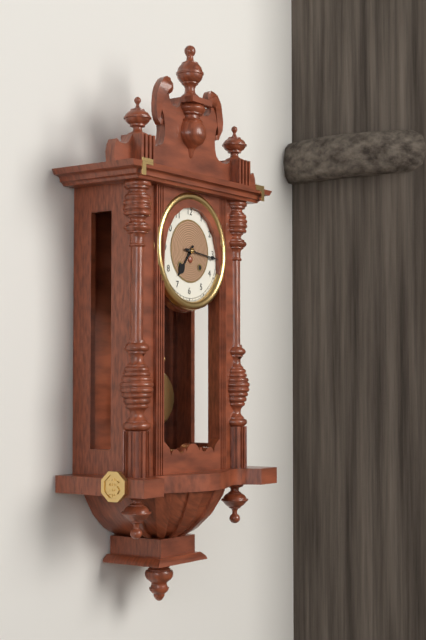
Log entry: 7:16
